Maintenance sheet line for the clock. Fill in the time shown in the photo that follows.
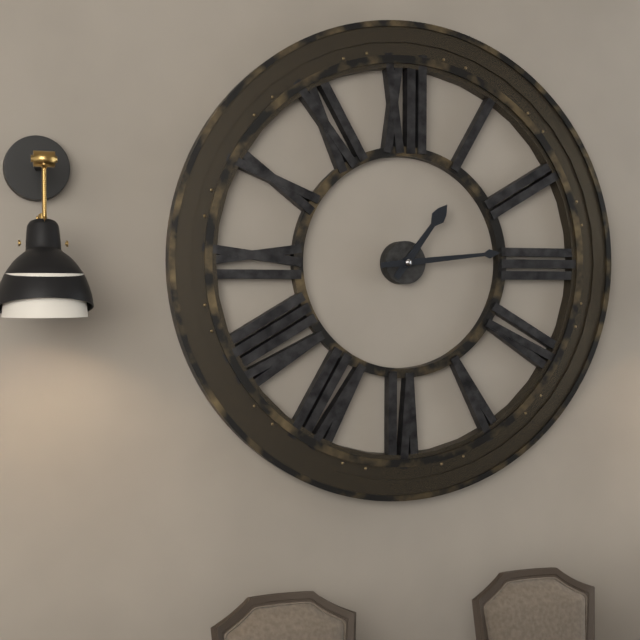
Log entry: 1:14
